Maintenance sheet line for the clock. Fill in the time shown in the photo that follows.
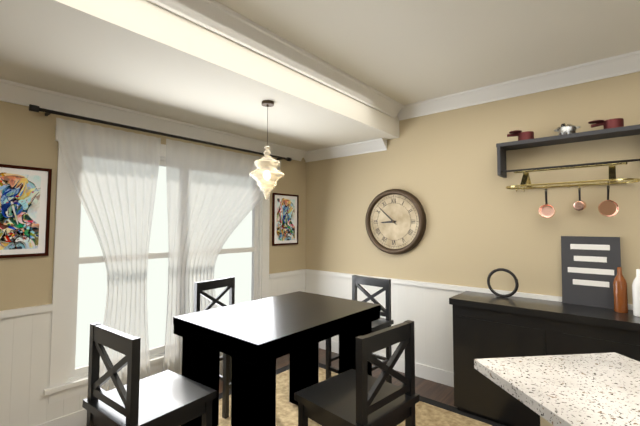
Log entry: 8:52
